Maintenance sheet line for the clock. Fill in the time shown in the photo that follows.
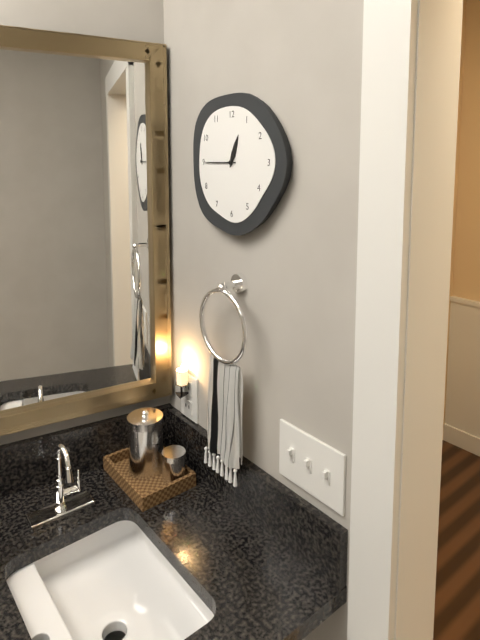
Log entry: 12:45
